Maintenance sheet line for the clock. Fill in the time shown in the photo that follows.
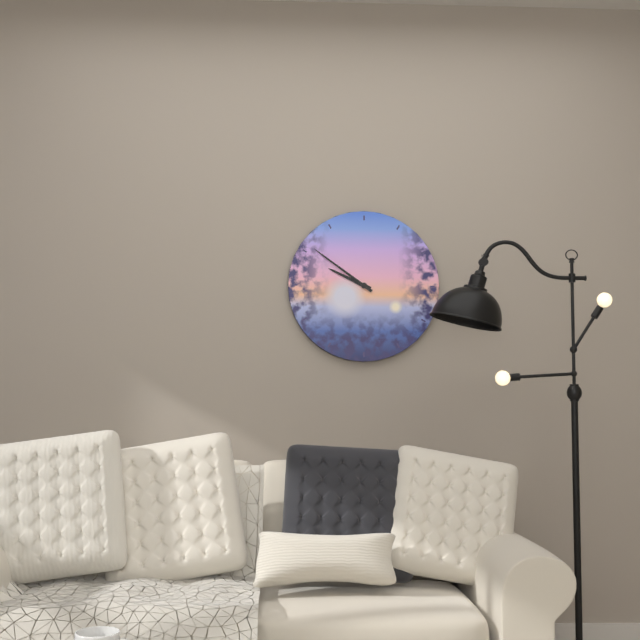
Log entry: 9:51
